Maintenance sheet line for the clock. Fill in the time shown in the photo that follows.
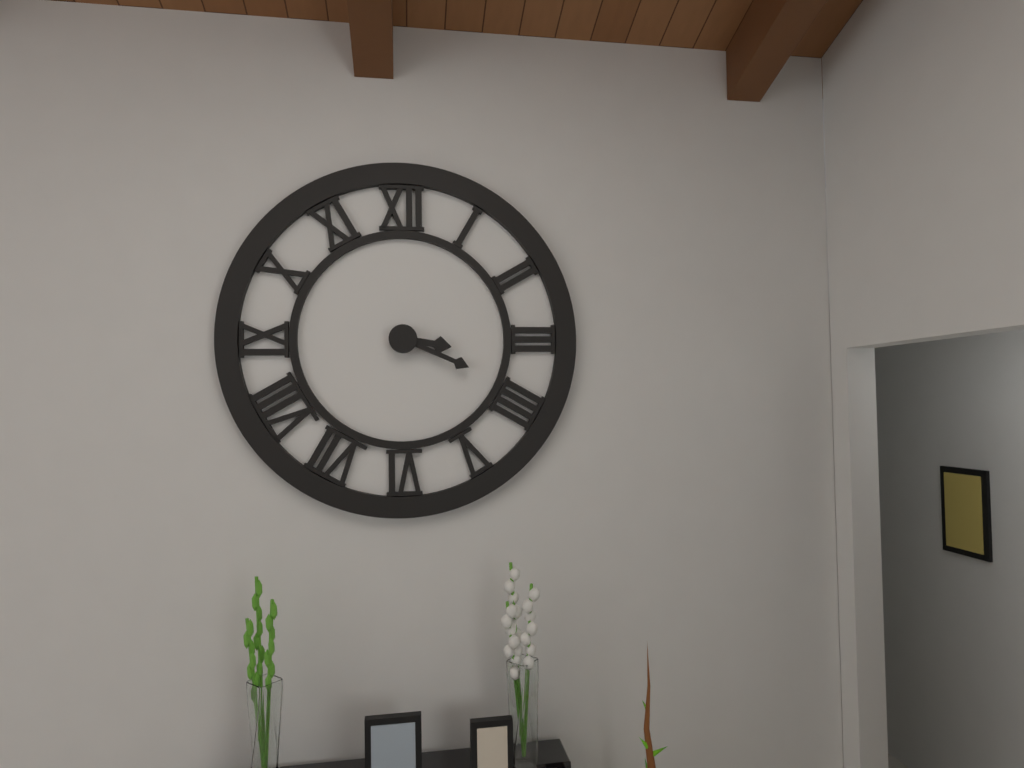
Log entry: 3:19
